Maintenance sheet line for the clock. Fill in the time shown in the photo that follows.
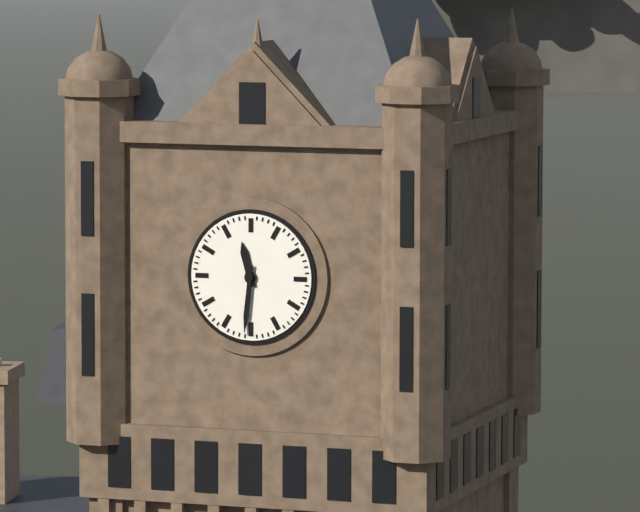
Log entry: 11:31
